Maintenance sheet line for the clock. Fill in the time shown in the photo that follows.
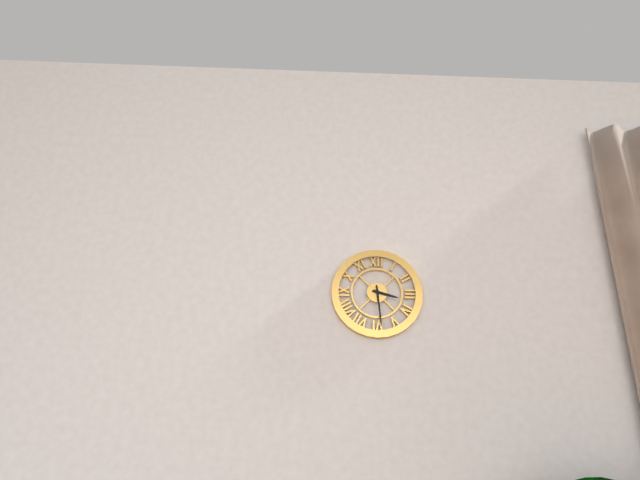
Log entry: 3:29
